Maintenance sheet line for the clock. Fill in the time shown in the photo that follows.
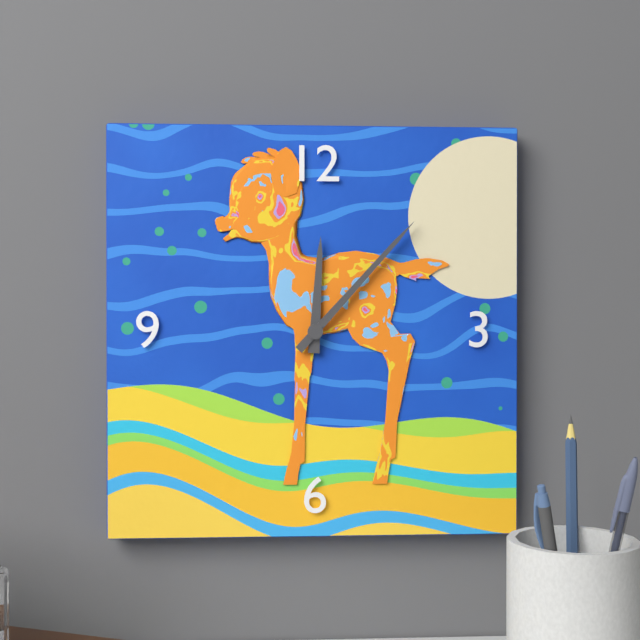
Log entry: 12:07
